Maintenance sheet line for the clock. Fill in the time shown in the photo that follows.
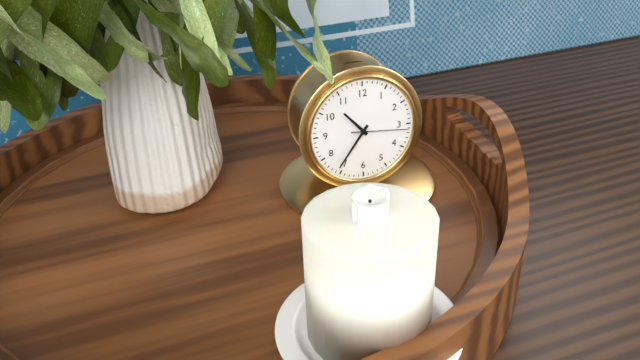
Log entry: 10:36:16
